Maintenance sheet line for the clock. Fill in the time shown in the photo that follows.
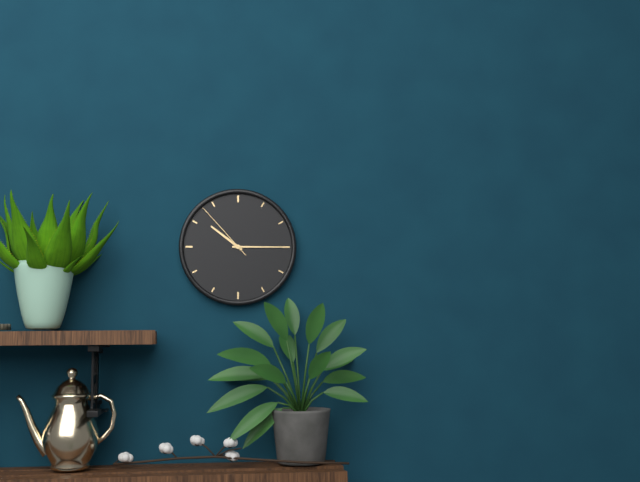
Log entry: 10:15:53
